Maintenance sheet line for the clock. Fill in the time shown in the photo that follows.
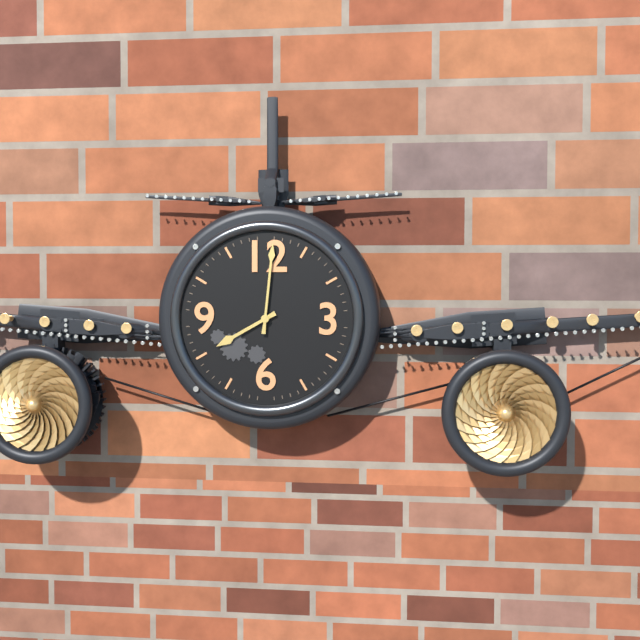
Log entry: 8:01
